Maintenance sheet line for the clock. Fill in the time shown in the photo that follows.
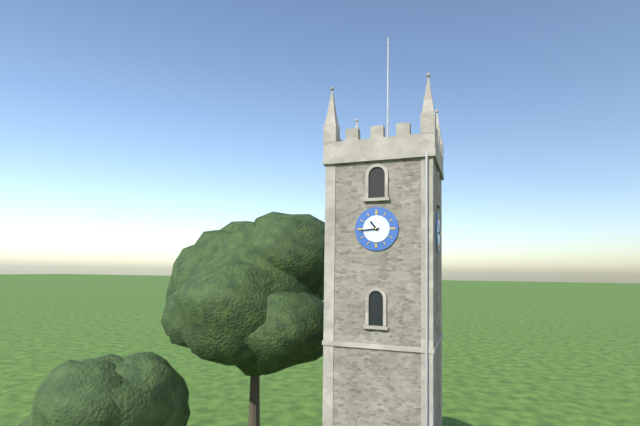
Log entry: 10:44
